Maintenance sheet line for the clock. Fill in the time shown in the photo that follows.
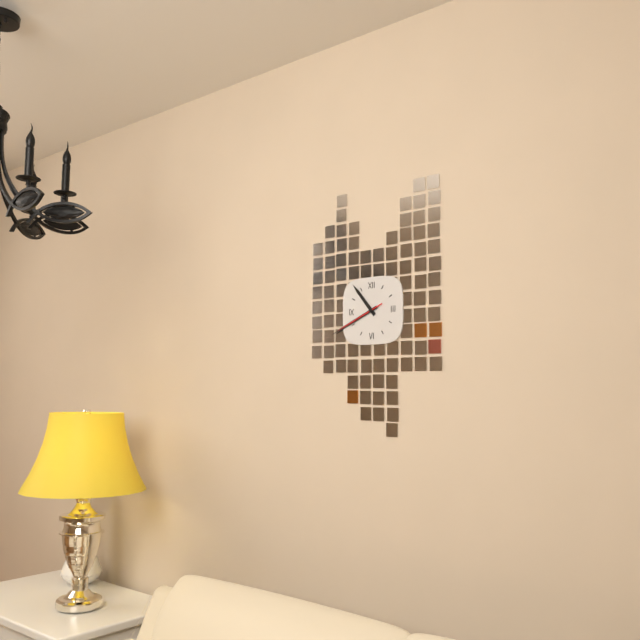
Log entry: 10:41
